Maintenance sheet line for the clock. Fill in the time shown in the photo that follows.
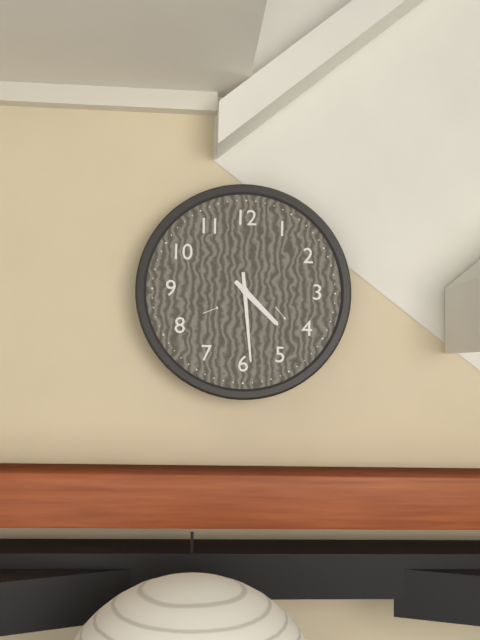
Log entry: 4:29
